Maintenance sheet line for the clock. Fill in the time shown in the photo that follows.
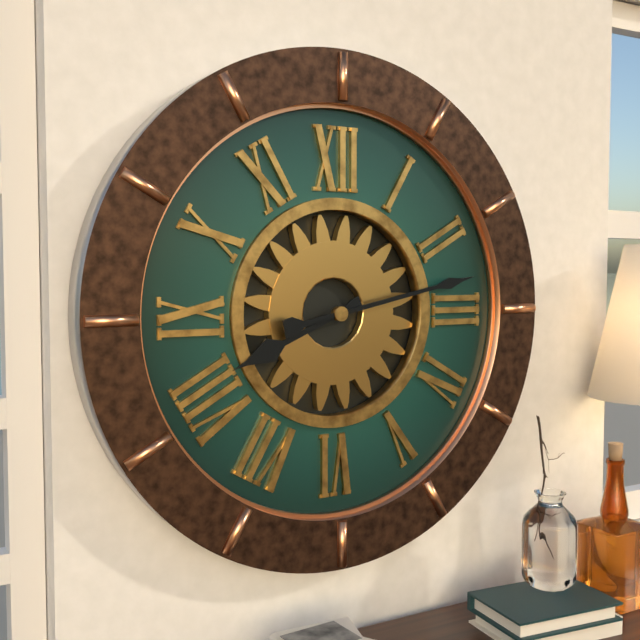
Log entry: 8:13
